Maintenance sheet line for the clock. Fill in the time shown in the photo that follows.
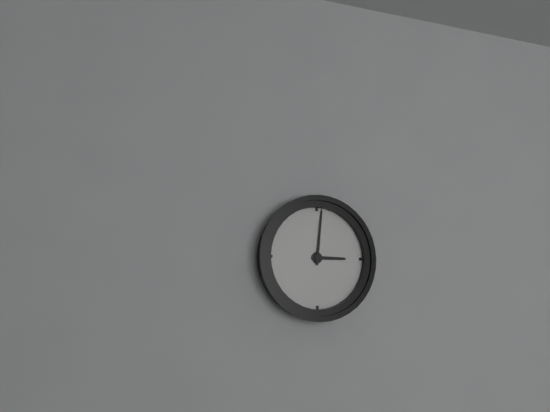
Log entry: 3:01
